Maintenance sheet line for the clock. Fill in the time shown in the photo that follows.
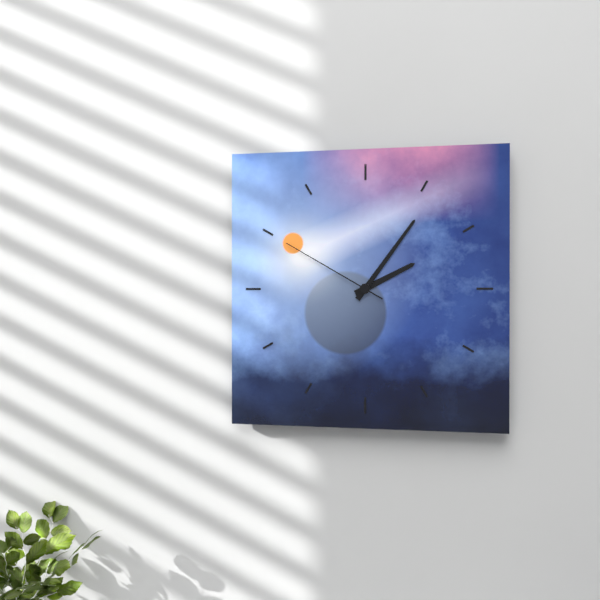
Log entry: 2:06:50
